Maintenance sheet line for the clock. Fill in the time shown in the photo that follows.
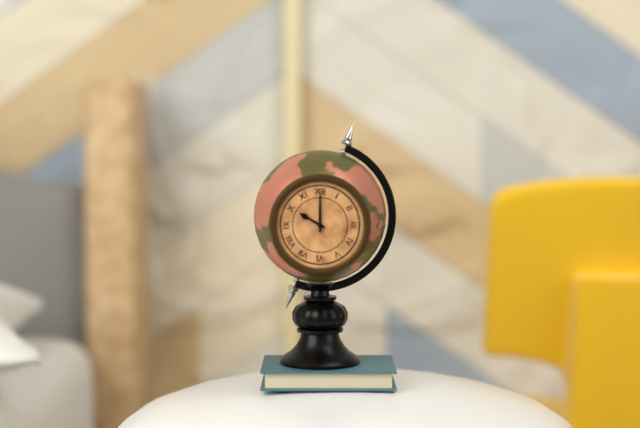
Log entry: 10:00
